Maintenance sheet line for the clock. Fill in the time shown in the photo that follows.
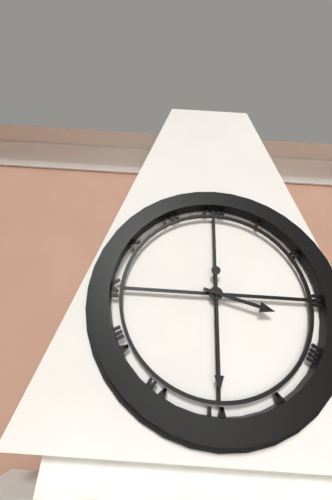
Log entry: 3:30
